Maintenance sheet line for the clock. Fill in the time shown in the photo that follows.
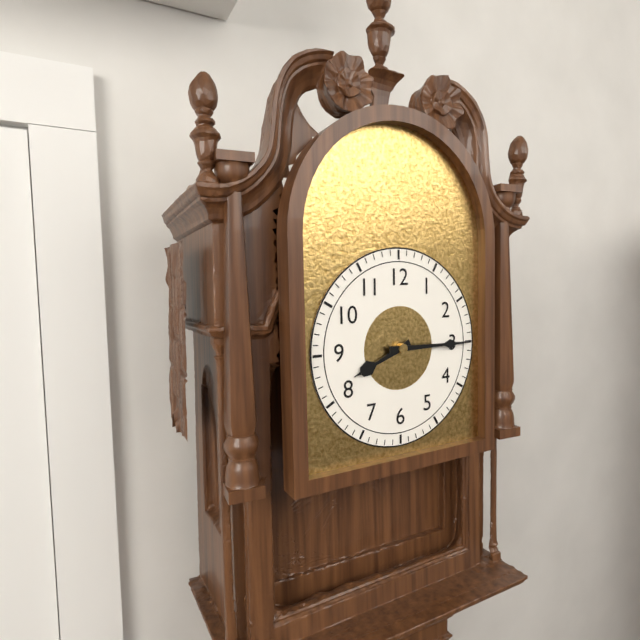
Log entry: 8:15
